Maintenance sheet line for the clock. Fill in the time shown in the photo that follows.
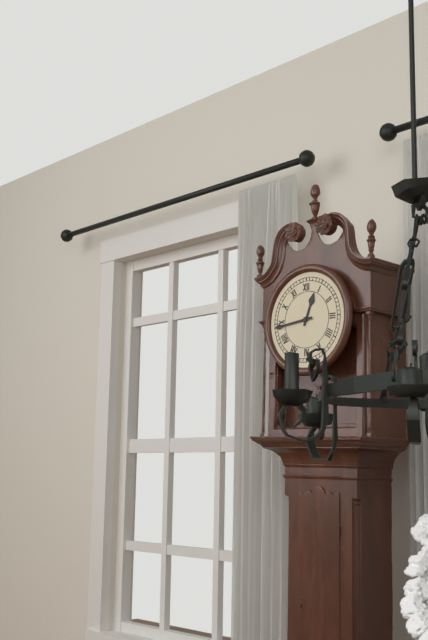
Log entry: 12:44
